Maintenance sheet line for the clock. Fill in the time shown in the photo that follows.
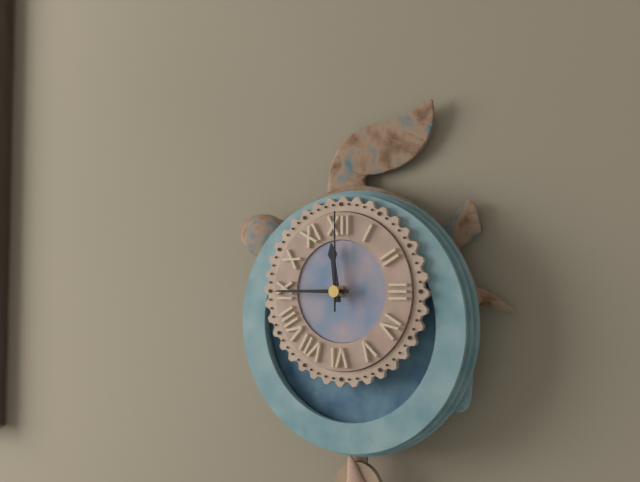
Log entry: 11:45:00
